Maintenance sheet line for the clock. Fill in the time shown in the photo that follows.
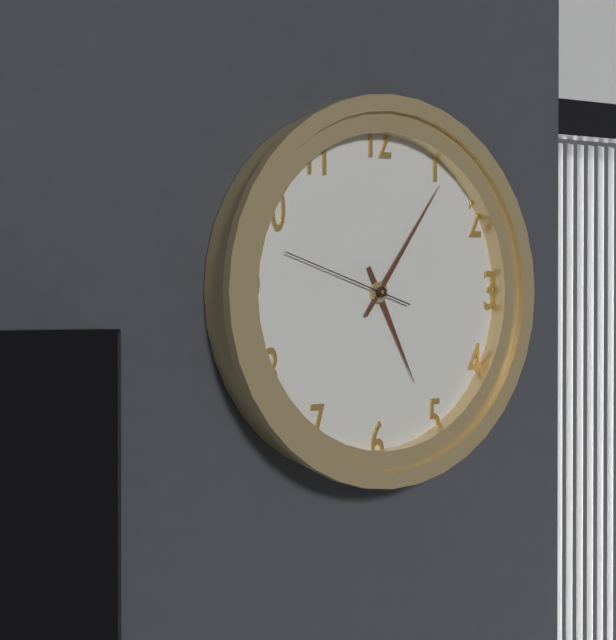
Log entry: 5:06:48
